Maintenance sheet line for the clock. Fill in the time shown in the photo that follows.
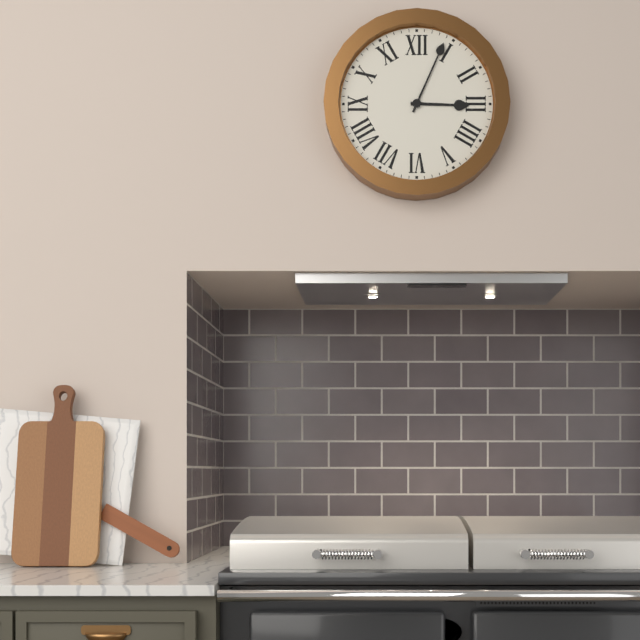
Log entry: 3:04
